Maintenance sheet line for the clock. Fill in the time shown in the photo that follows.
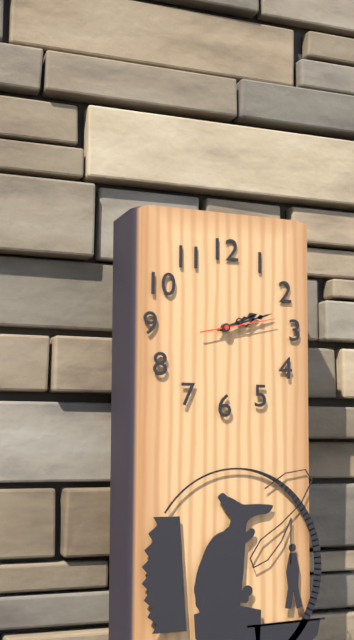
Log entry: 2:12:13
